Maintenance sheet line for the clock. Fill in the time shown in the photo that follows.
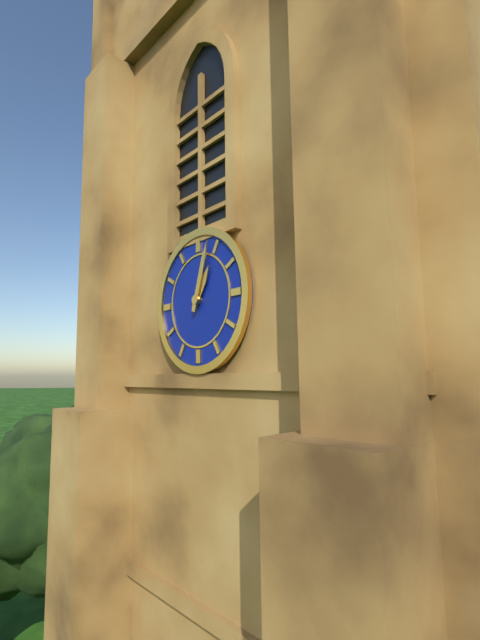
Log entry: 1:03
